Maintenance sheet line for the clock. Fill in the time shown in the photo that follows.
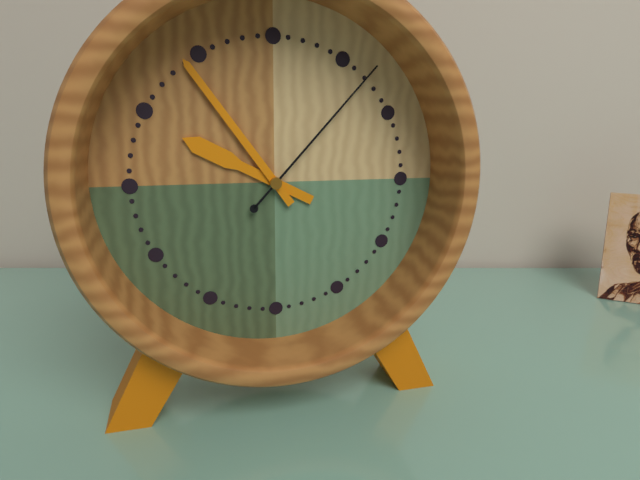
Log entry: 9:54:07
